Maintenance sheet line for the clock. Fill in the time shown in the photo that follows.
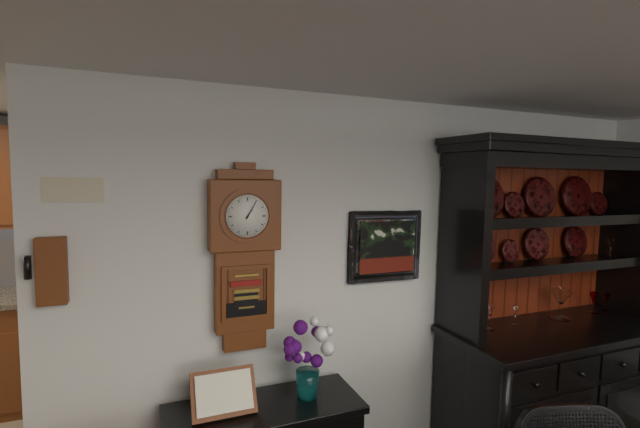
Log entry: 1:05
